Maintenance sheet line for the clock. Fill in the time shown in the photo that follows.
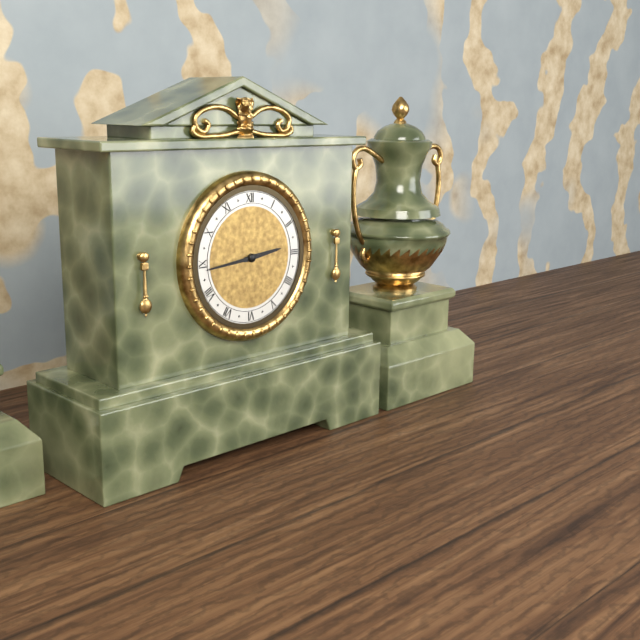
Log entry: 2:44
